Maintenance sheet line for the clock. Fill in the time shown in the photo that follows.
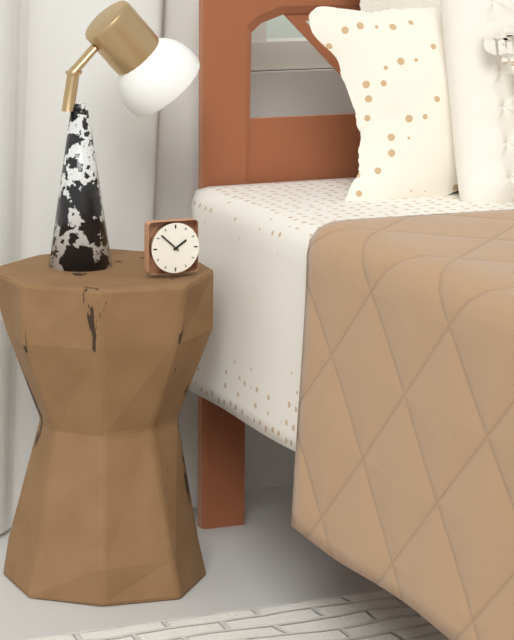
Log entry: 1:52
